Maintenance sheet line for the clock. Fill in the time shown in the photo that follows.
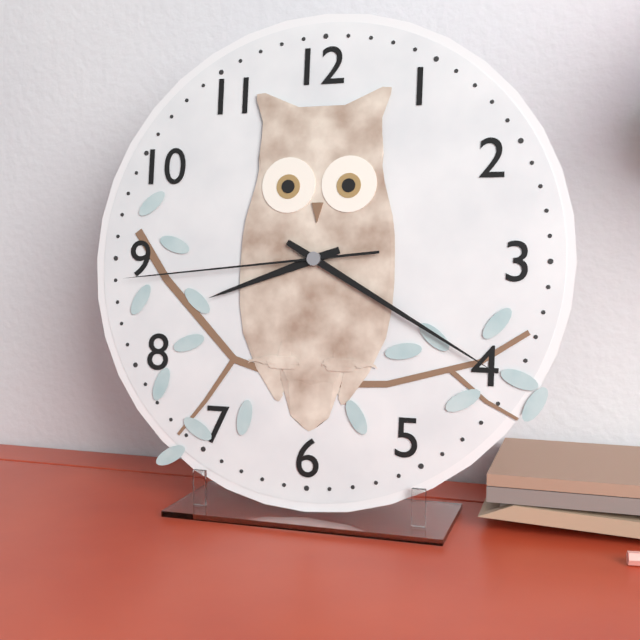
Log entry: 8:20:44
